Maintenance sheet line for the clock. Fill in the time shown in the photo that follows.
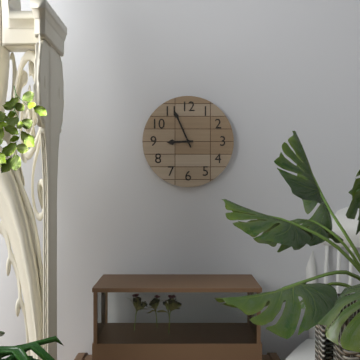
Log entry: 8:56
